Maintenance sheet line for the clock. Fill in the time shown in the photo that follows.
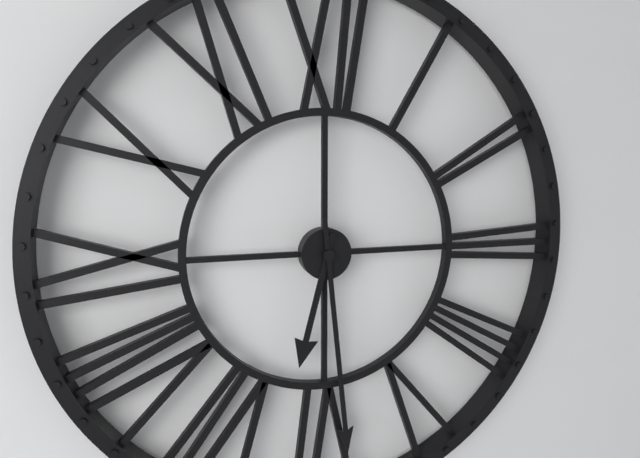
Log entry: 6:29
